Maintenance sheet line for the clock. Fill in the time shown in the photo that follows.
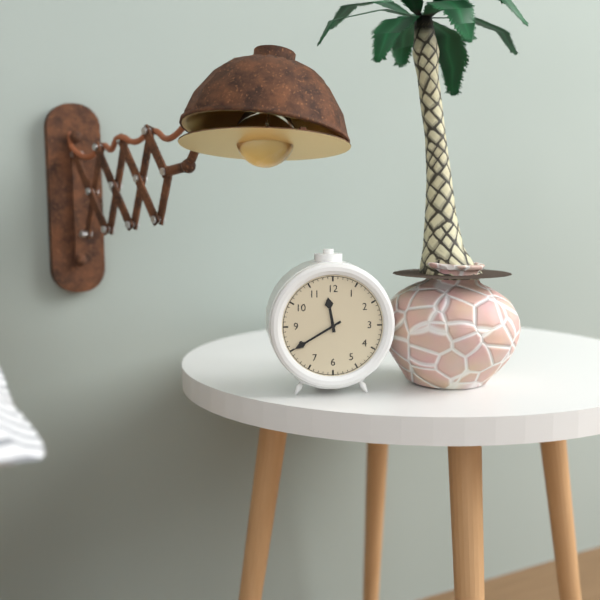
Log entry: 11:40
